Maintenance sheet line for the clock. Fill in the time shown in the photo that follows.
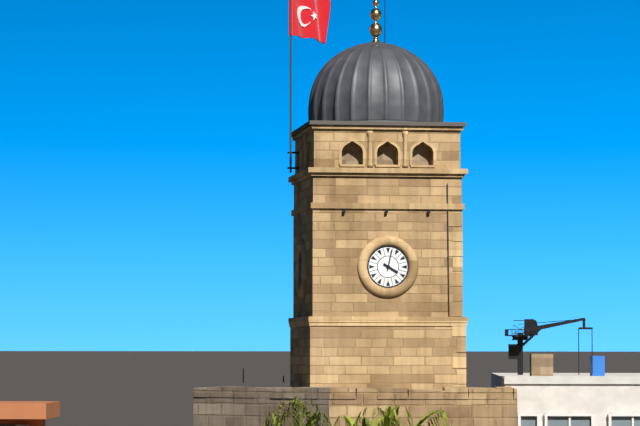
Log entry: 4:02
